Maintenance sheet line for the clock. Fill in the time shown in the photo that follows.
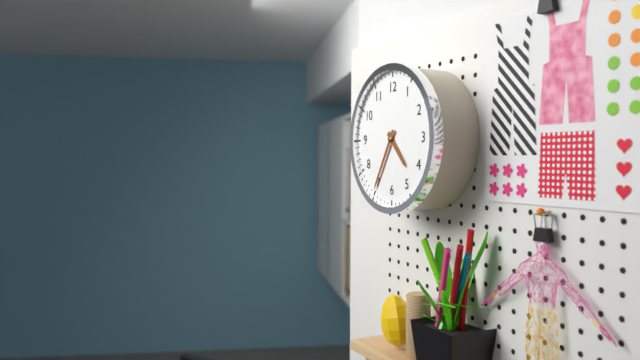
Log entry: 4:35
